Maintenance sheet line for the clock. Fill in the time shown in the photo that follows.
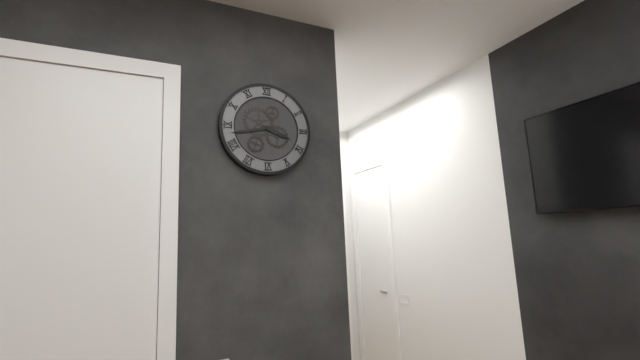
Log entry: 3:43
